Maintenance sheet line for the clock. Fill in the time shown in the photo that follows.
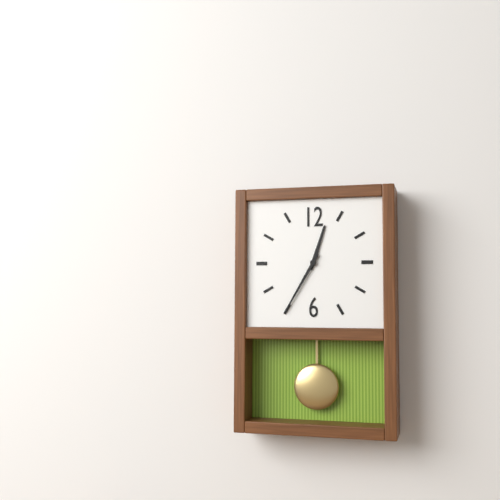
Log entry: 12:35
